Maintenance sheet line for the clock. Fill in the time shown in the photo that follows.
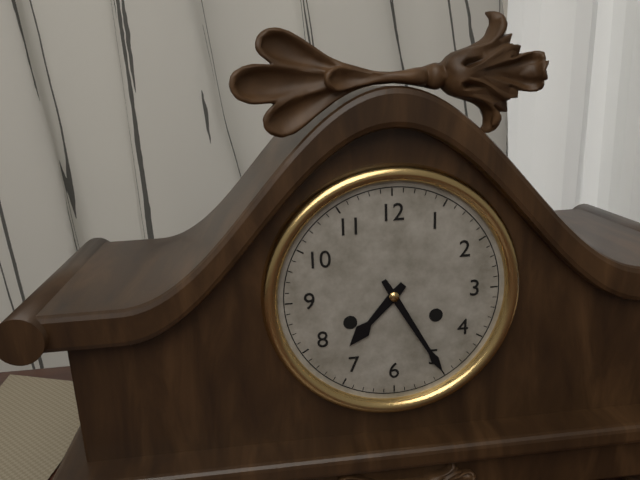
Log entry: 7:25
